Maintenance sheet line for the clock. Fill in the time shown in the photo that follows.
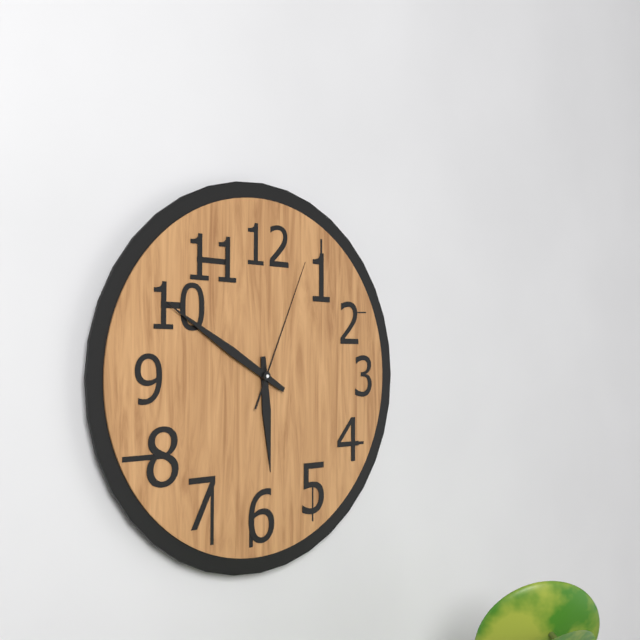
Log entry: 5:50:04
